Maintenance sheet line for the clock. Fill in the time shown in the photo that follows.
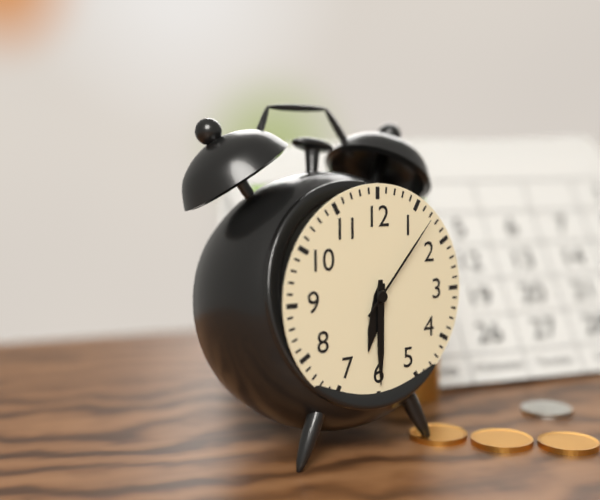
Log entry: 6:30:07
